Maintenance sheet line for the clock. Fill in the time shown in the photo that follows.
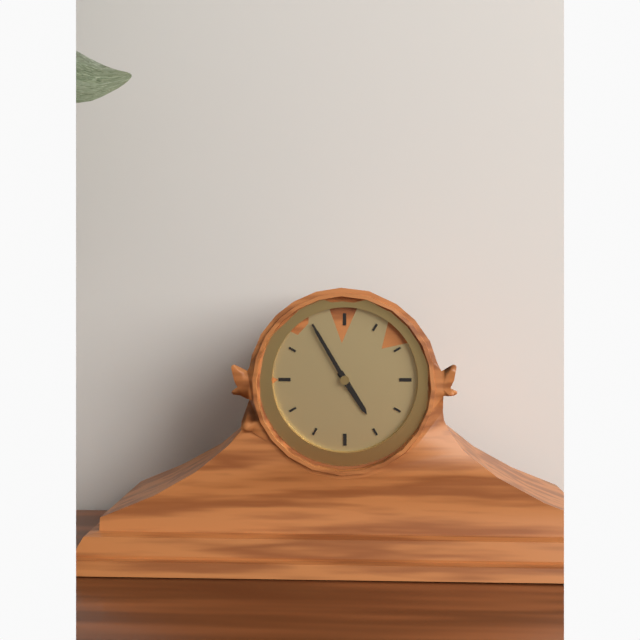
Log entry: 4:55
